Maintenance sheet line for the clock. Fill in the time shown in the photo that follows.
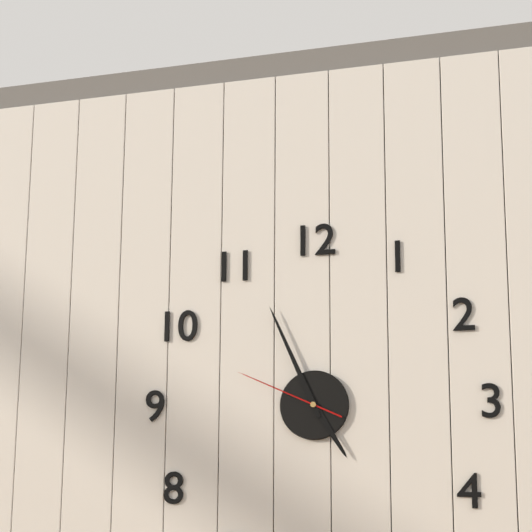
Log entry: 4:56:49
